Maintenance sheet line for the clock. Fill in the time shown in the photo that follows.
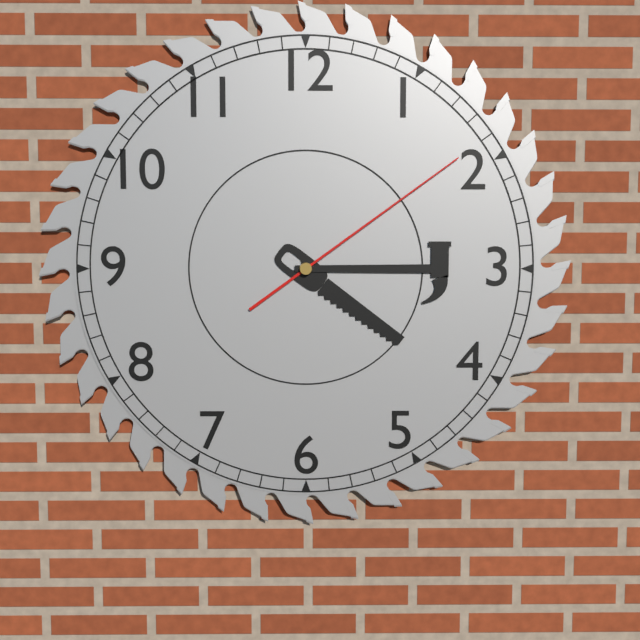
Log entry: 4:15:09
